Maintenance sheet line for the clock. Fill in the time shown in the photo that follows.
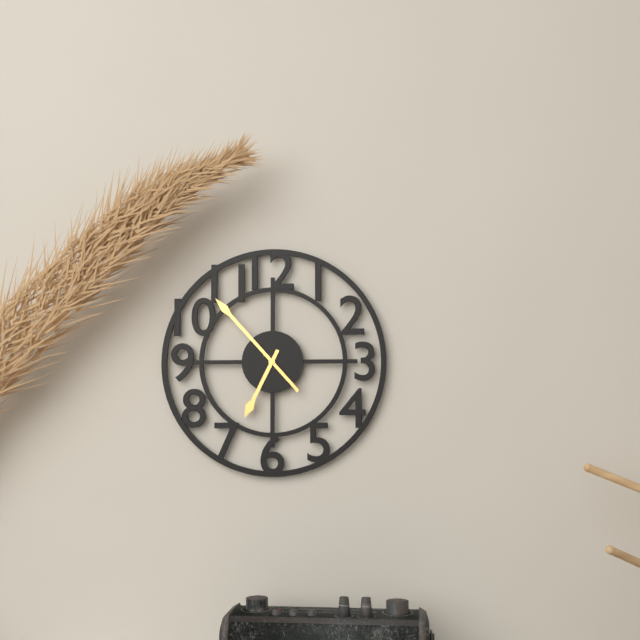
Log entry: 6:53
